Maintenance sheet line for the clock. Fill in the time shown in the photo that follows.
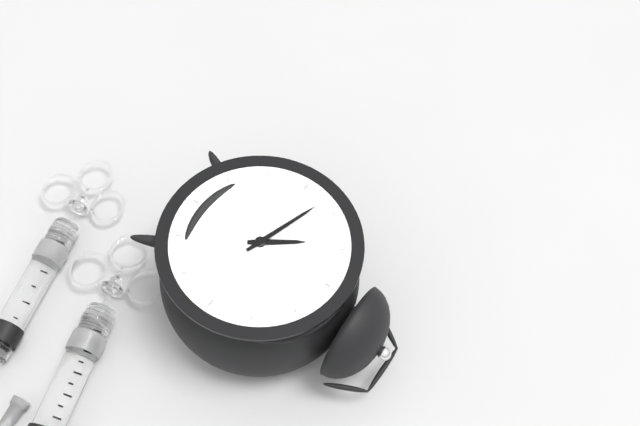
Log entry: 10:48
